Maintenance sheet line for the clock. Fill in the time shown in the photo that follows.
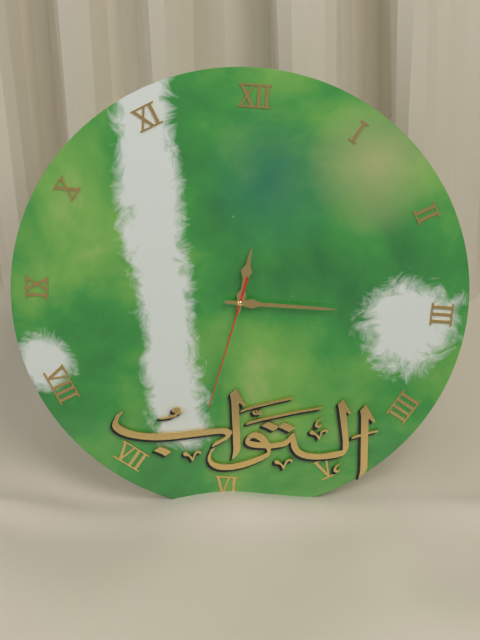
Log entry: 12:15:32
